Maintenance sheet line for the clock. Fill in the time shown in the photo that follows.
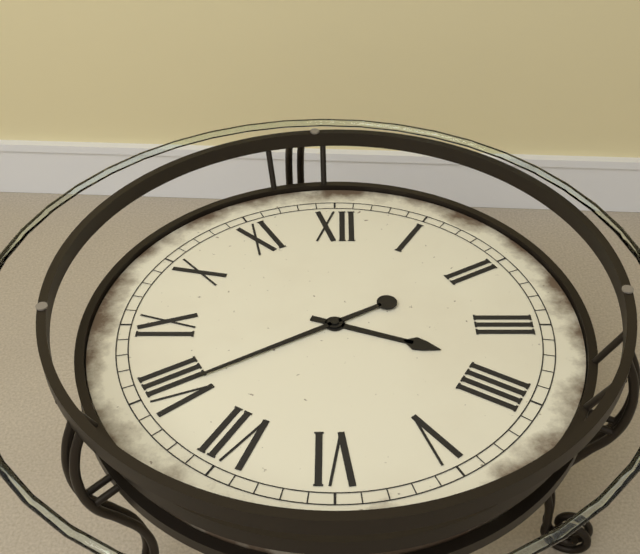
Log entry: 3:40
